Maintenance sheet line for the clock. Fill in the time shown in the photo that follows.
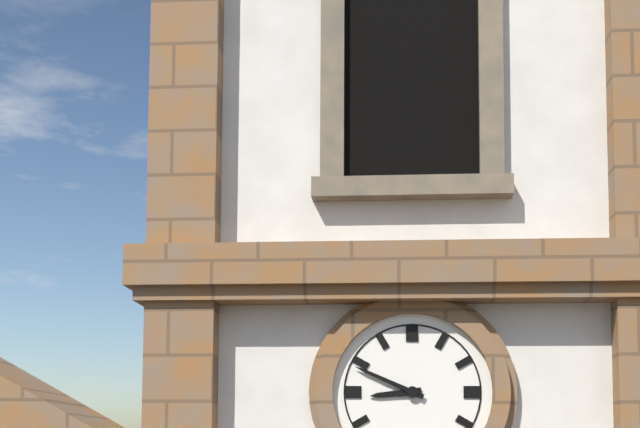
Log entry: 8:49
